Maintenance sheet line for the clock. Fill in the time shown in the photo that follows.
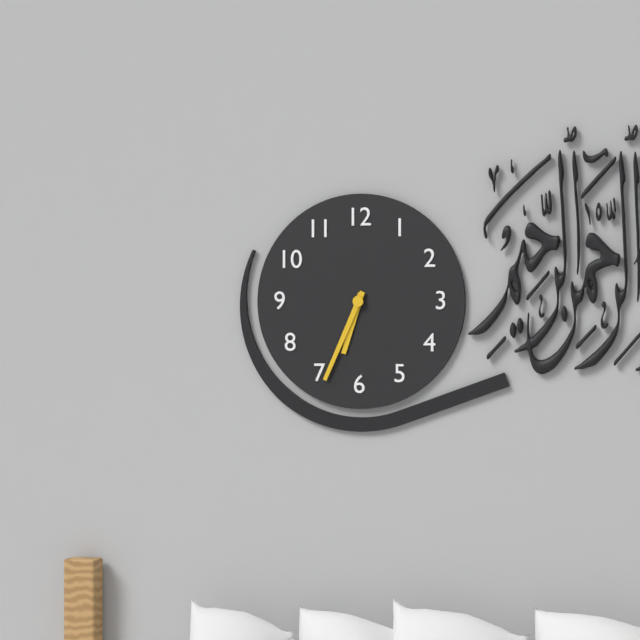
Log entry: 6:34
